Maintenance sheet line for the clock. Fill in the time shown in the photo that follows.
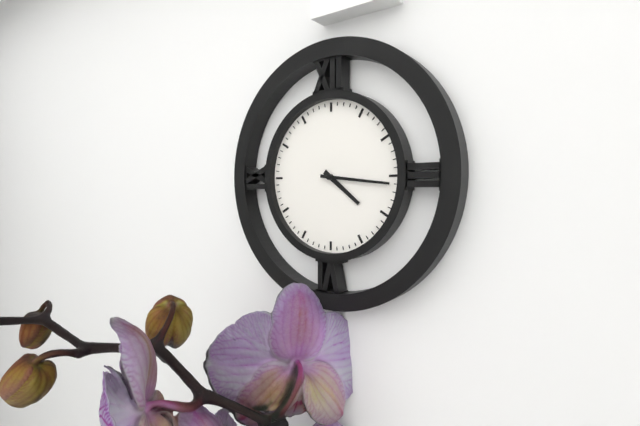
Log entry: 4:16
